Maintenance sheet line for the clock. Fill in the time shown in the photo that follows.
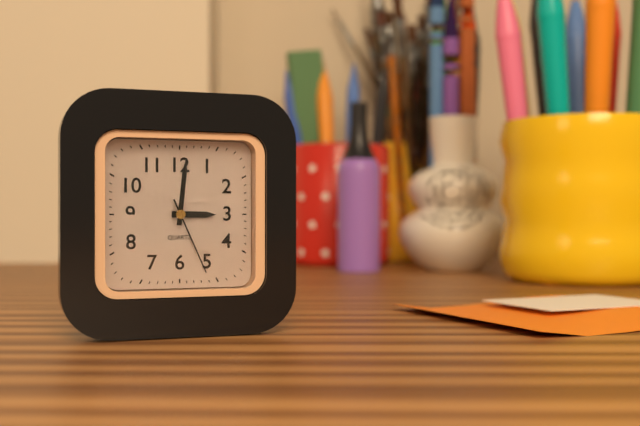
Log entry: 3:01:26
